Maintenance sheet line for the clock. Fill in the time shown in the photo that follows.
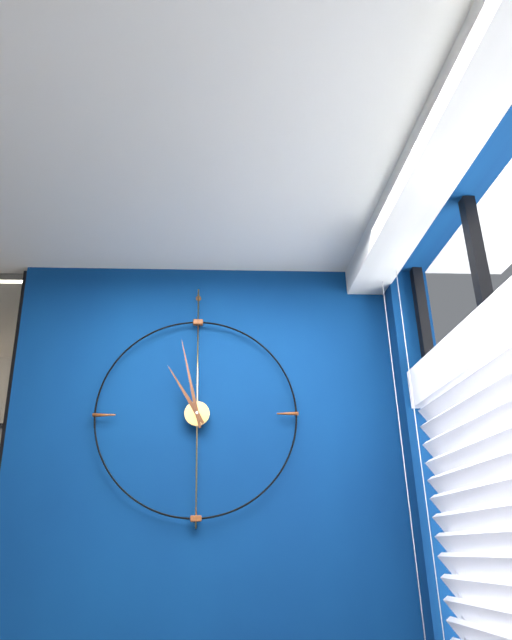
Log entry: 10:58
